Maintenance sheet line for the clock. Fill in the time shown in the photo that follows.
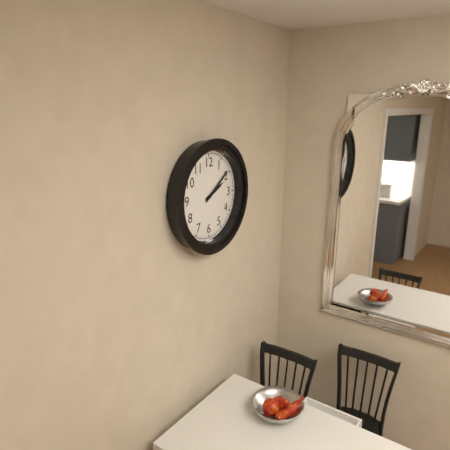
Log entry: 2:09
